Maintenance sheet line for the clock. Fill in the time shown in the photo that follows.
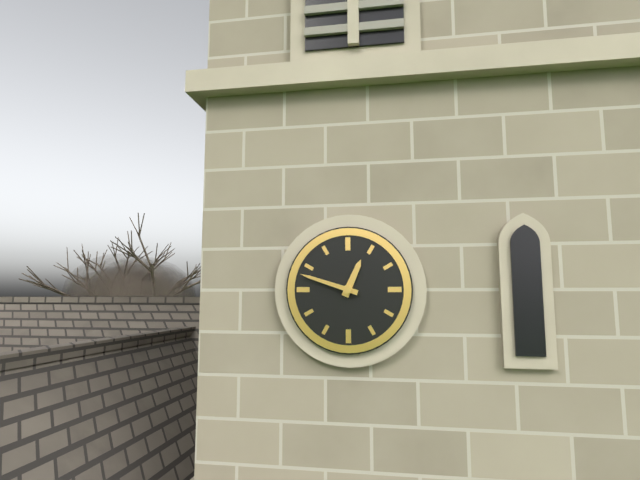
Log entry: 12:48
